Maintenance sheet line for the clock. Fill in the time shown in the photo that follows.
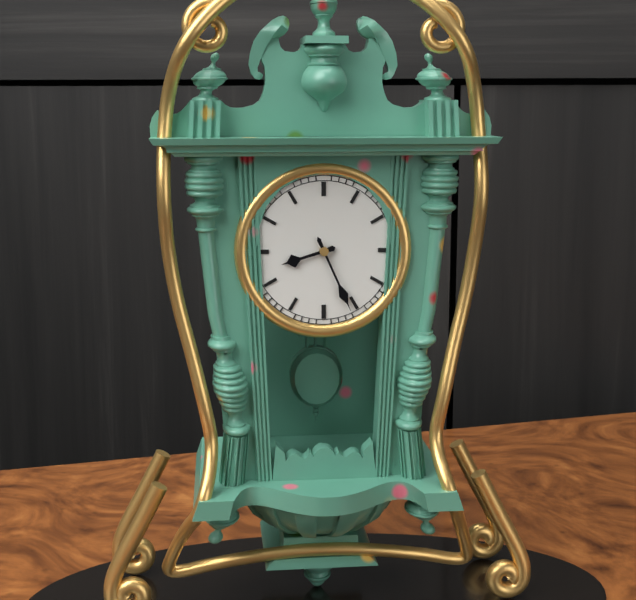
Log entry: 8:26
